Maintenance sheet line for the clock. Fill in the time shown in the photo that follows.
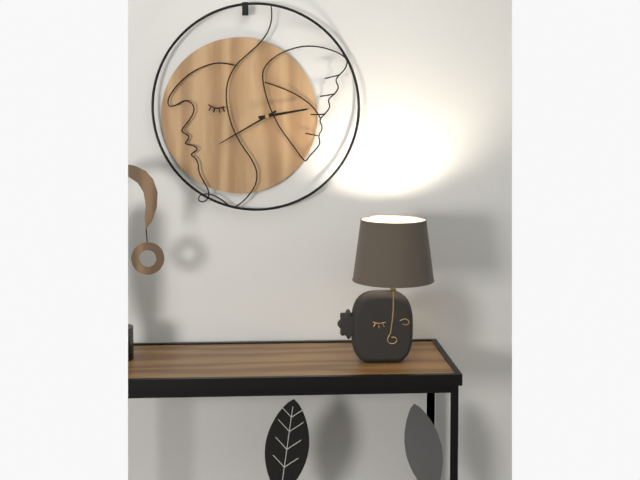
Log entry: 2:40
